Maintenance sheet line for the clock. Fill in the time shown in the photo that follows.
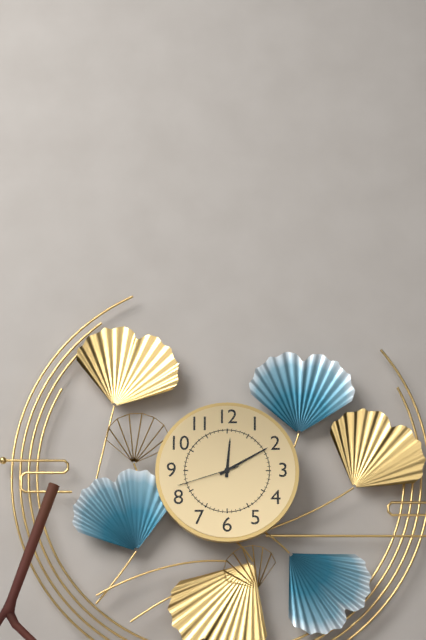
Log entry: 12:10:42
